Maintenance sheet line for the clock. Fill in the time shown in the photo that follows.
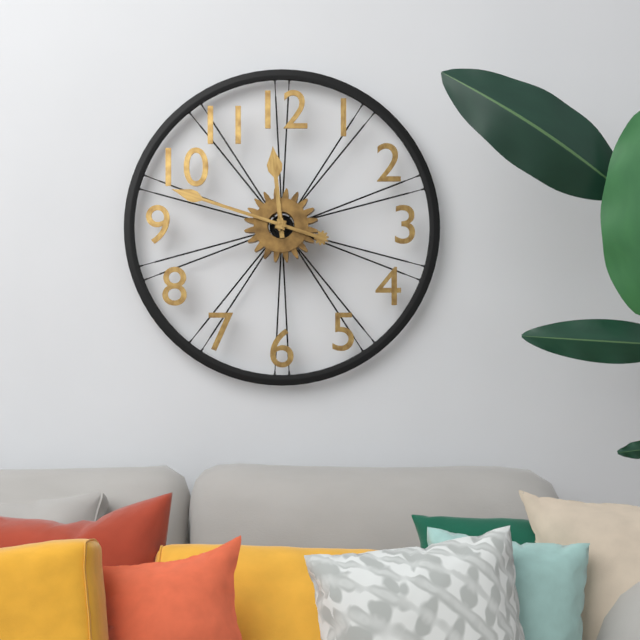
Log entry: 11:48
